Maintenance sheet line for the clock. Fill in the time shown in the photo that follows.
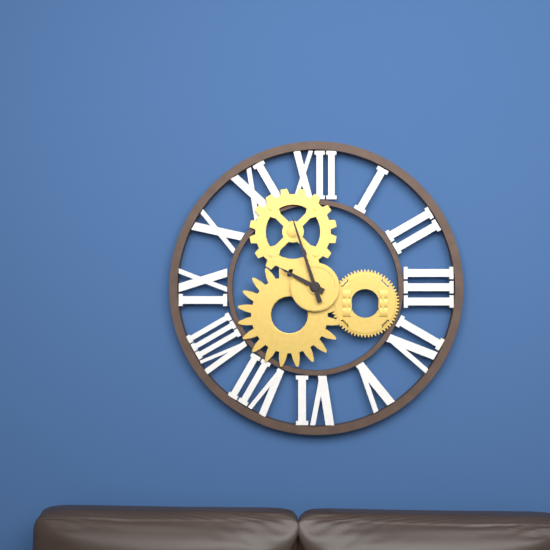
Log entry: 9:57
